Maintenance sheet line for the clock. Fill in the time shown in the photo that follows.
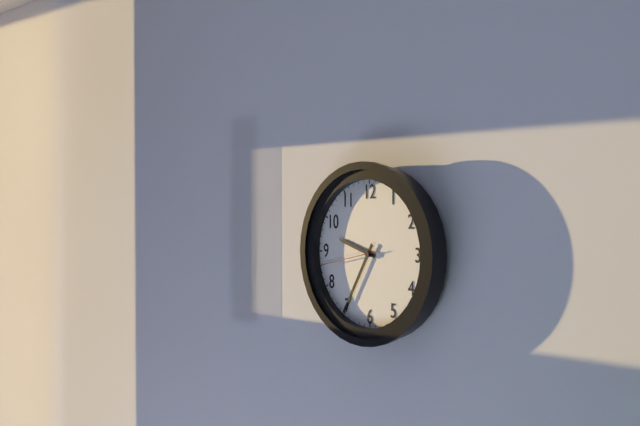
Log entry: 9:35:43
